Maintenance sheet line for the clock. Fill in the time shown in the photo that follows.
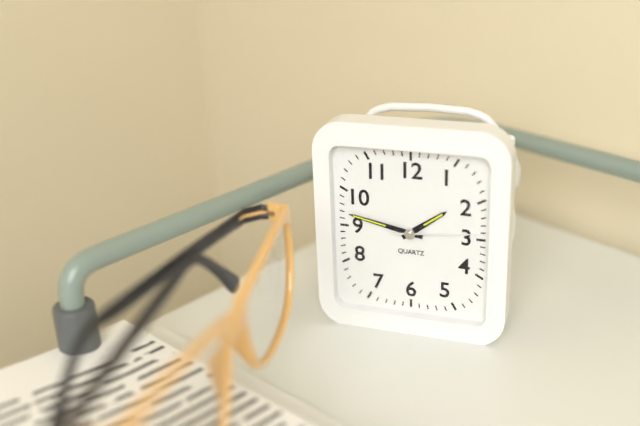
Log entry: 1:47:14
